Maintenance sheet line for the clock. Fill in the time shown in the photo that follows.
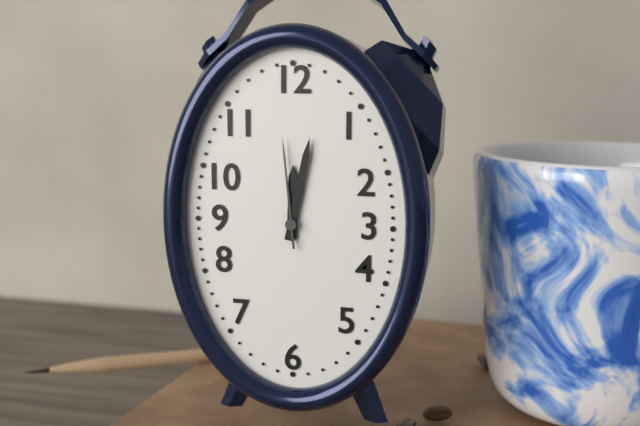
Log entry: 12:02:59
